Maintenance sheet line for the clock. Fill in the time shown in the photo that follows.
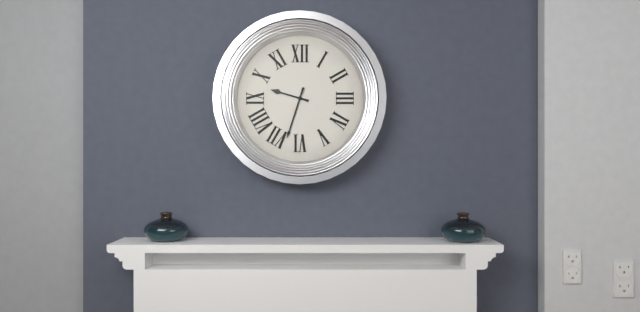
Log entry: 9:33
